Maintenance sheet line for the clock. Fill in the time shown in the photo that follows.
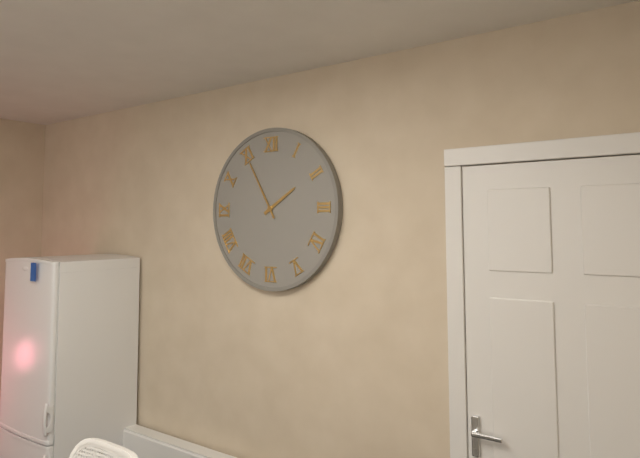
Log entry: 1:55
